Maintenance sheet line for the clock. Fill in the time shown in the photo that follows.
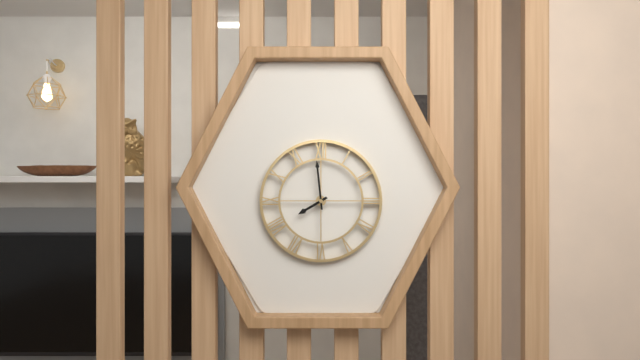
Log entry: 7:59
